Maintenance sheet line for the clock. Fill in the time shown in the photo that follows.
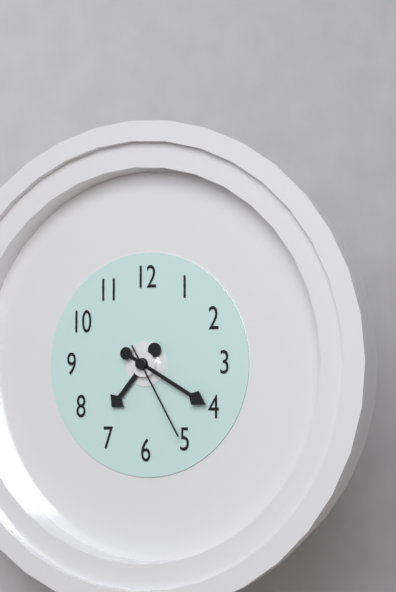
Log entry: 7:20:25
